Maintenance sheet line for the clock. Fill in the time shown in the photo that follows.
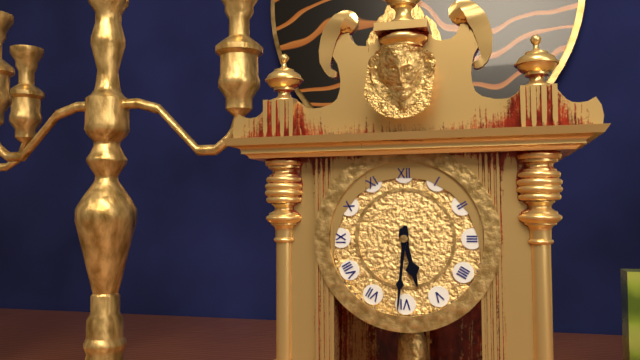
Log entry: 5:31
